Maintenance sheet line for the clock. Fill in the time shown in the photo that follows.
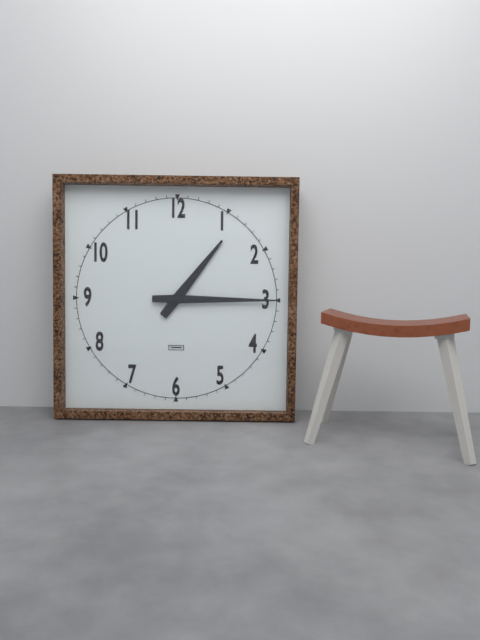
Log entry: 1:15
